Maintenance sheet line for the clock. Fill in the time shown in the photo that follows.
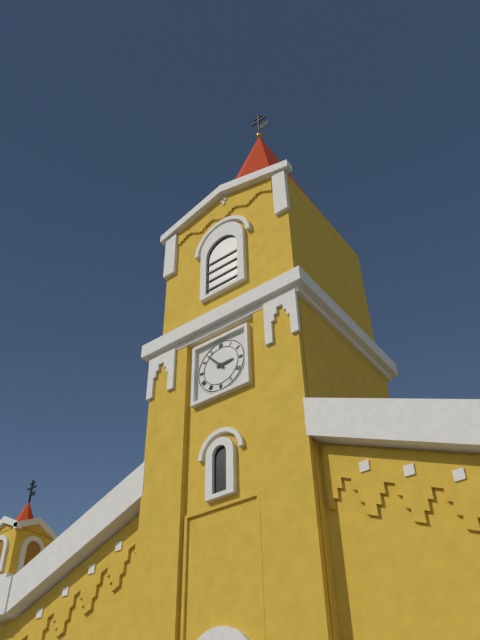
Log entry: 2:53
